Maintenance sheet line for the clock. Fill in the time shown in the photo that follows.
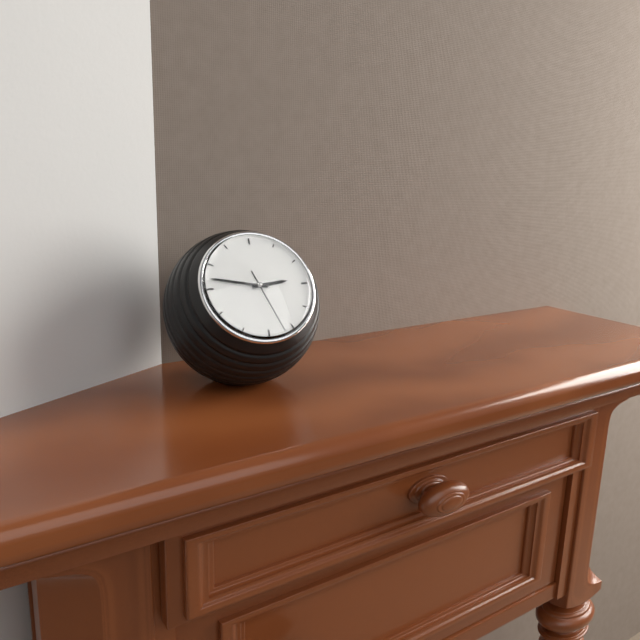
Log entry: 2:47:27
